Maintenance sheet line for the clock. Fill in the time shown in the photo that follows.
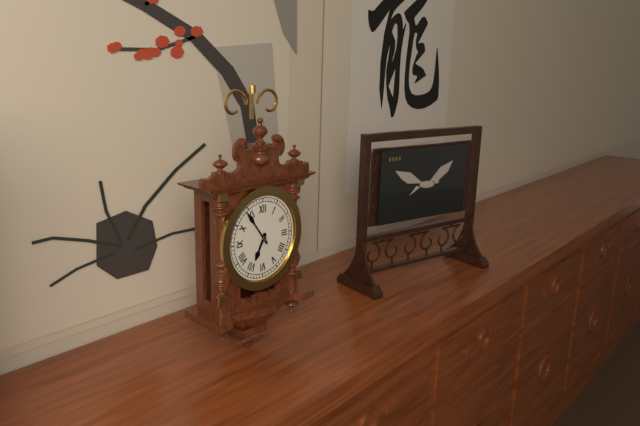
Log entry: 6:54
